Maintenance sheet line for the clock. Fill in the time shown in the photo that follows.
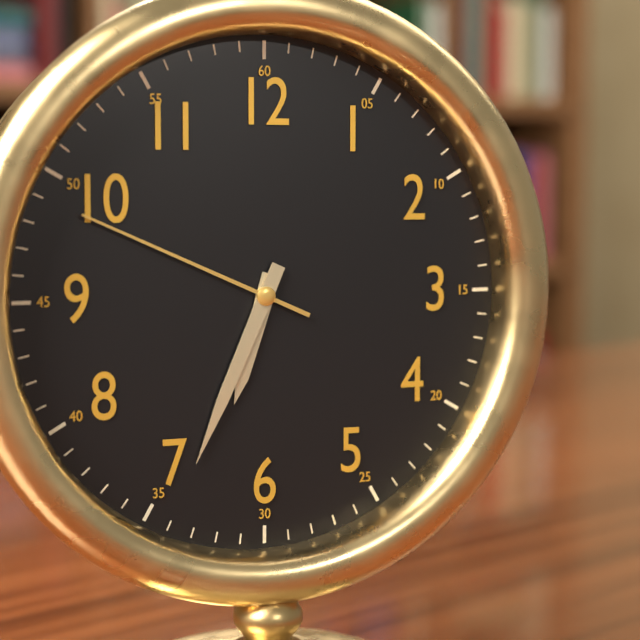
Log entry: 6:34:49
